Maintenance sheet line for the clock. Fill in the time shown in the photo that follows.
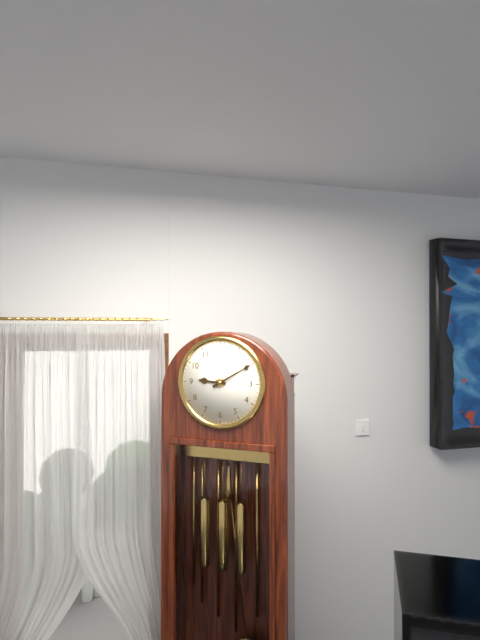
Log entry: 9:10
